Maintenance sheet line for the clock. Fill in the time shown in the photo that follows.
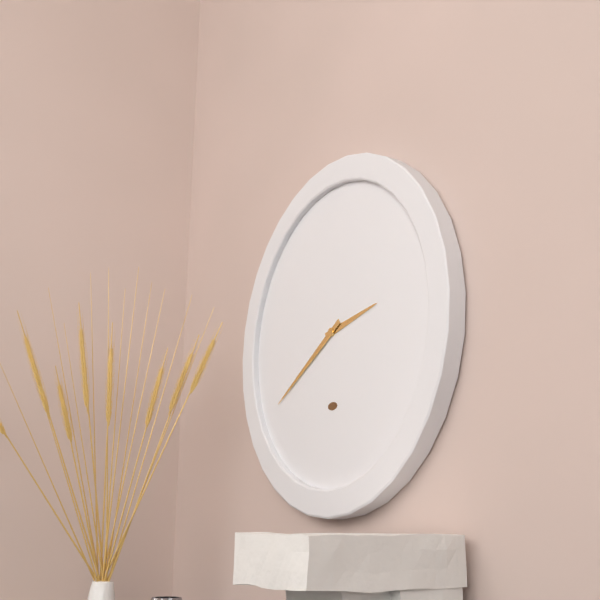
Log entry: 2:40
